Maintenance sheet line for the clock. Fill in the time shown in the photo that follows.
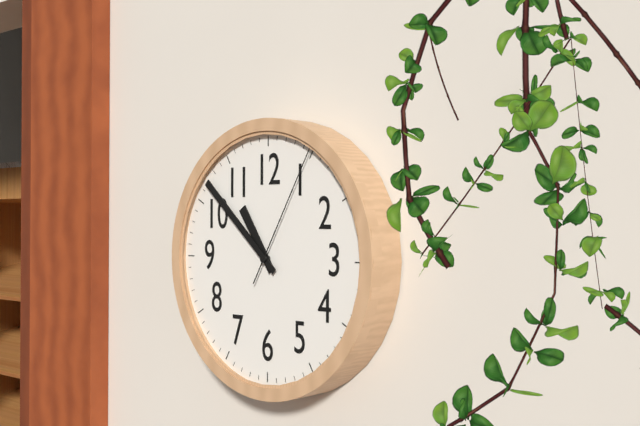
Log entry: 10:52:05
